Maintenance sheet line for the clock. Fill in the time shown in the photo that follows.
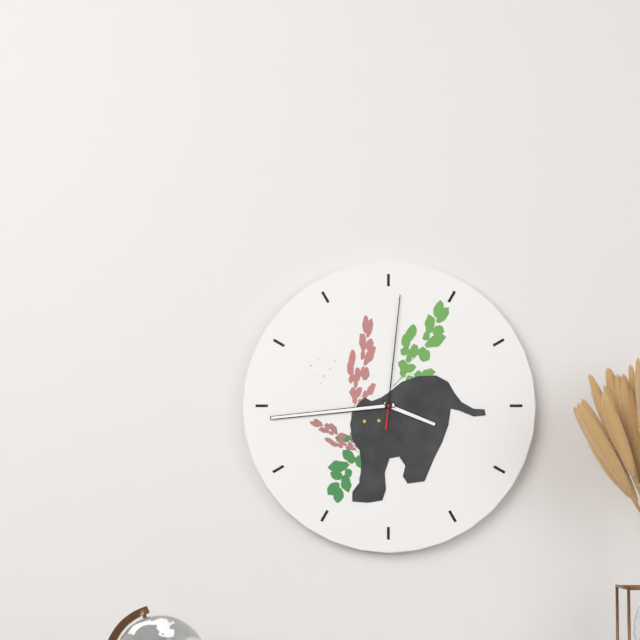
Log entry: 3:44:01
